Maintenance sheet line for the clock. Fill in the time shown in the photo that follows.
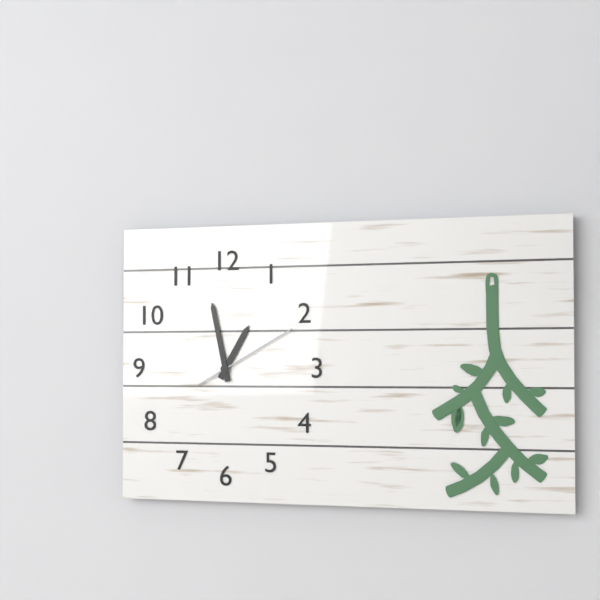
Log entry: 12:58:10
